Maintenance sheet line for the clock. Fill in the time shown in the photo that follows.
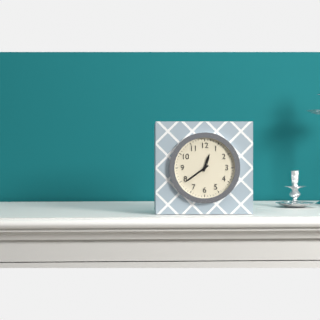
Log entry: 12:39
